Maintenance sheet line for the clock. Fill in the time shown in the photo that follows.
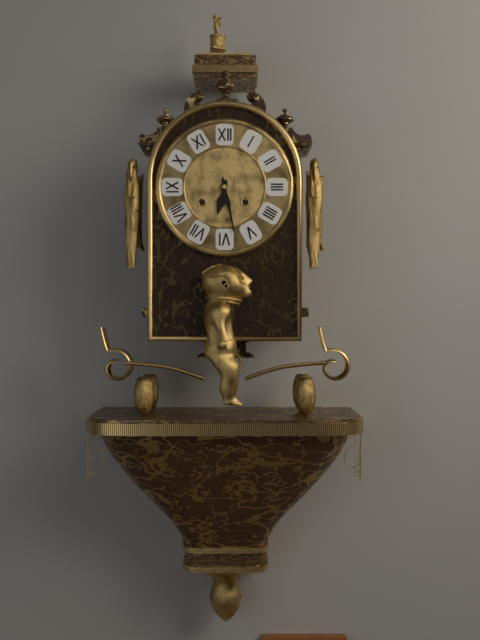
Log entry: 6:28
